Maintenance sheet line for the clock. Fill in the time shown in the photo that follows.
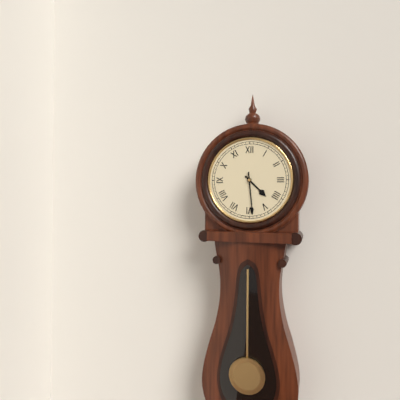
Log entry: 4:29
